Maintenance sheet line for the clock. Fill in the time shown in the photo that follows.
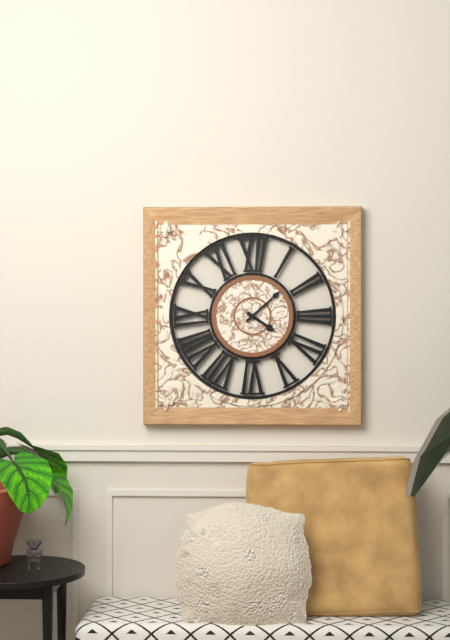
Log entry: 4:08
